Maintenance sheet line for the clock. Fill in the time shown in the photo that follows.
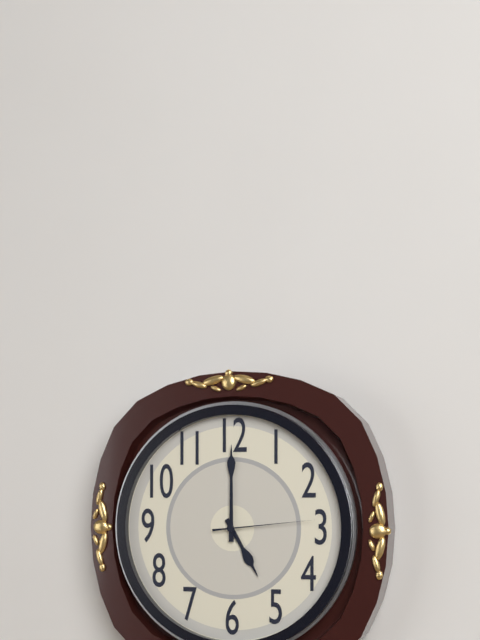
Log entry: 5:00:14
